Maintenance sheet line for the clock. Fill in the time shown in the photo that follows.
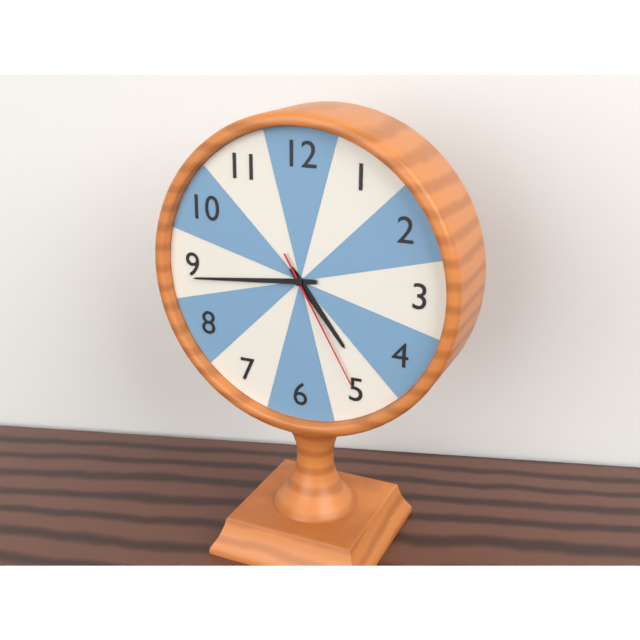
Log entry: 4:44:25
